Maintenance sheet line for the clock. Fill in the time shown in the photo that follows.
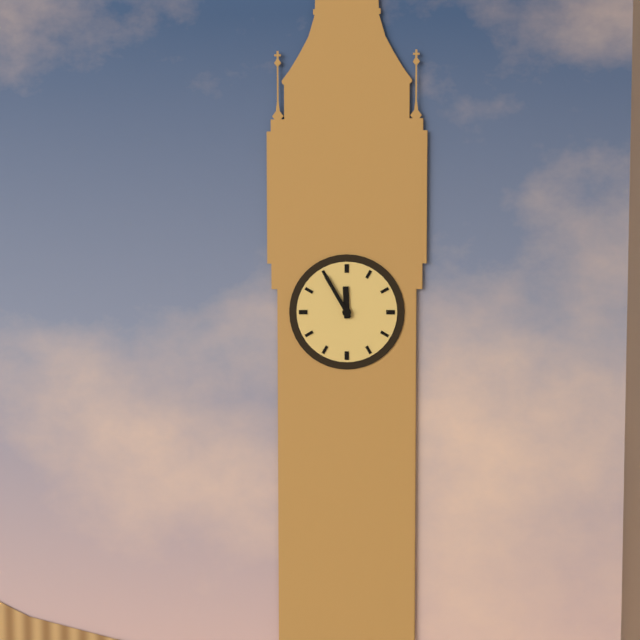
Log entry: 11:55
